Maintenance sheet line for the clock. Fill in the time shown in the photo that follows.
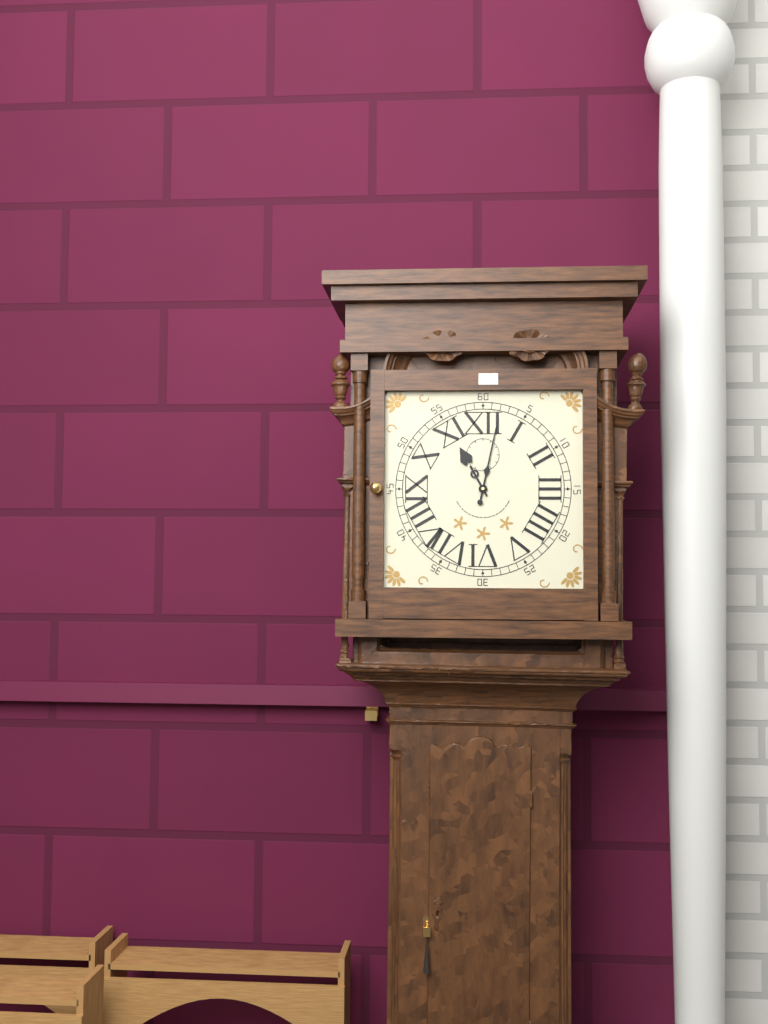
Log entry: 11:02
